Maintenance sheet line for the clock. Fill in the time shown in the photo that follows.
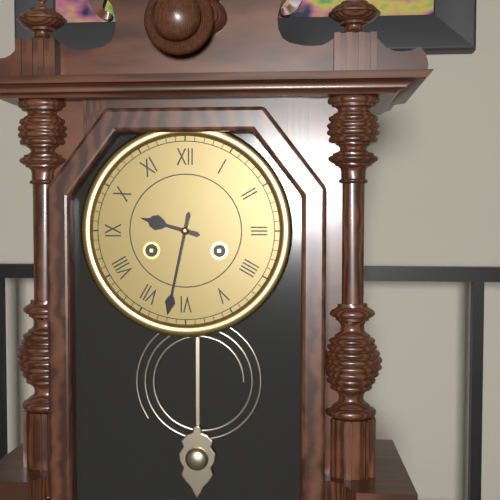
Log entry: 9:32
